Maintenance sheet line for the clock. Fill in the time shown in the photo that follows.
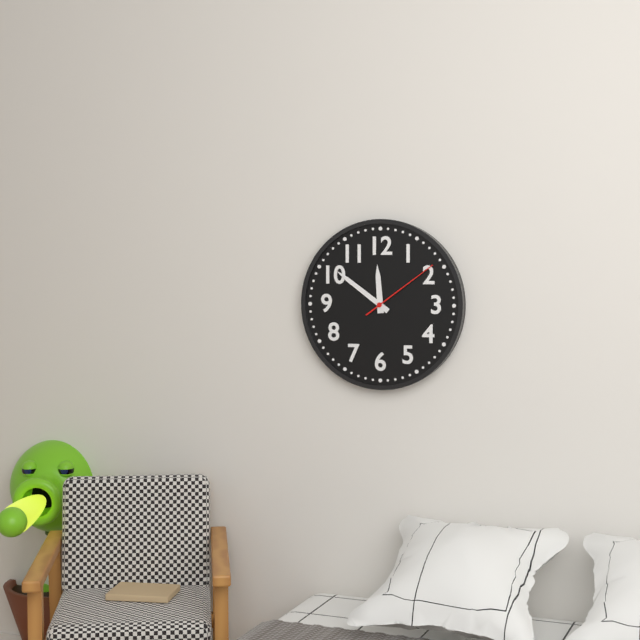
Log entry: 11:51:09
